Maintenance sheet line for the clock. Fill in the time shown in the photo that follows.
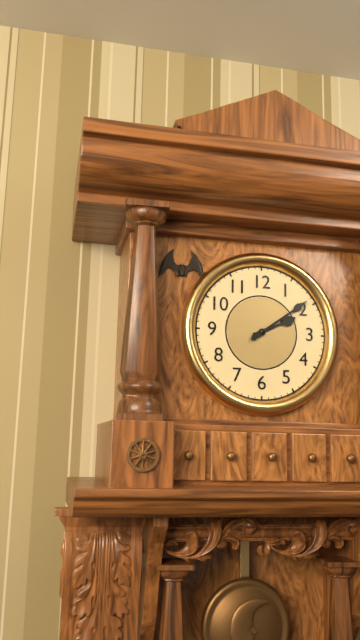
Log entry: 2:09
